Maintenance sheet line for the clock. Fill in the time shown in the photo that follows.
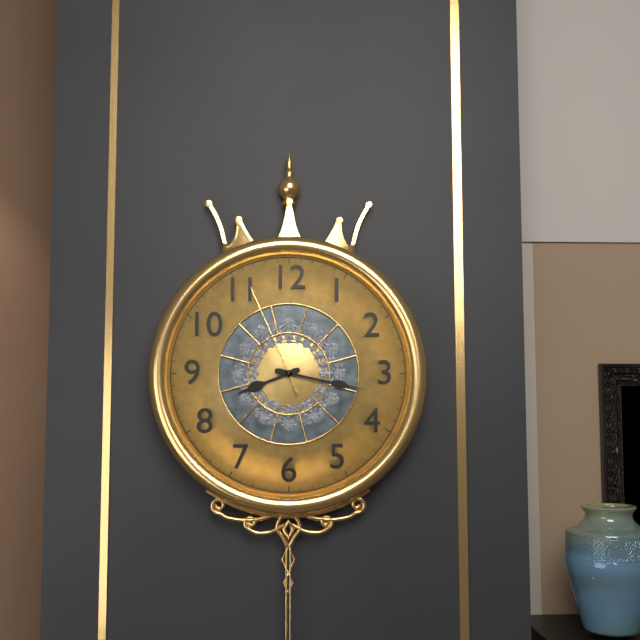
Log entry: 8:17:56
